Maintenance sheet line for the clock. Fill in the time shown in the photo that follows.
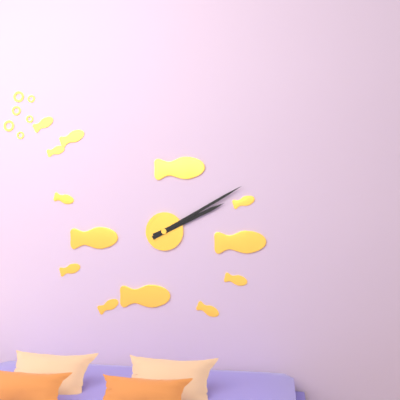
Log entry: 2:10
